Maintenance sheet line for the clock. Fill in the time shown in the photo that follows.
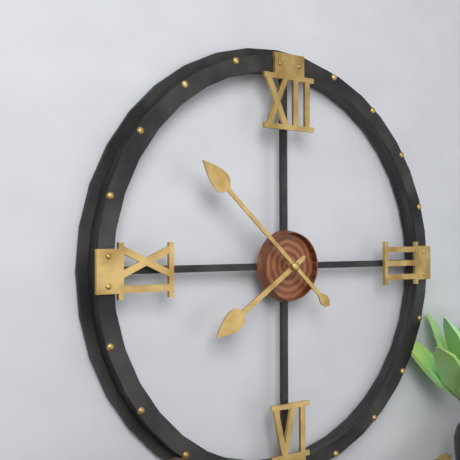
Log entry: 7:52
